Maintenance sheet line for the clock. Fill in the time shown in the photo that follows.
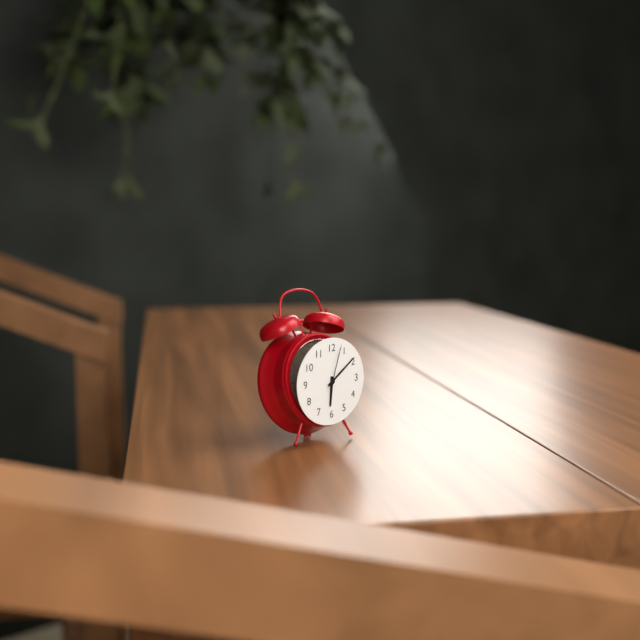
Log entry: 6:09
